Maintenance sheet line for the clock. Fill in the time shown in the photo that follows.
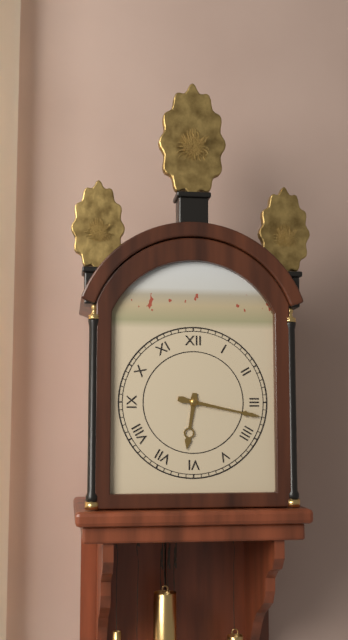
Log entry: 6:17
